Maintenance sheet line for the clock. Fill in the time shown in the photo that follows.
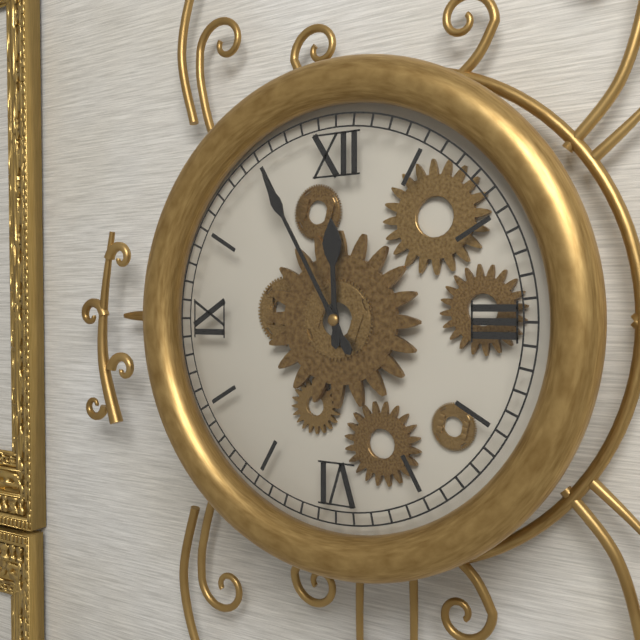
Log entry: 11:55
